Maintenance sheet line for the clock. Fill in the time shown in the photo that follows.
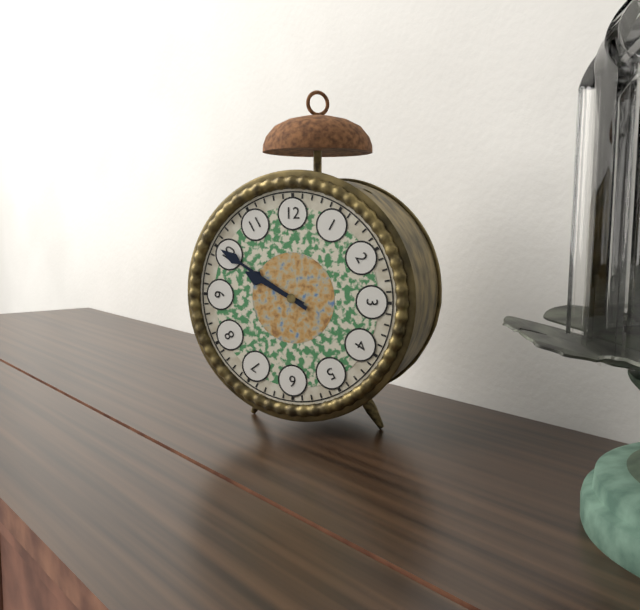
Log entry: 9:50
